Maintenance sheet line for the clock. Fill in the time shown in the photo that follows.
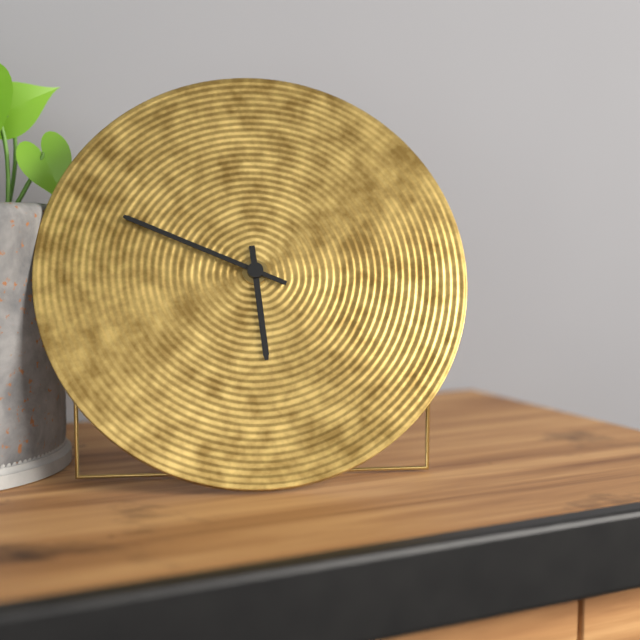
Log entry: 5:49
